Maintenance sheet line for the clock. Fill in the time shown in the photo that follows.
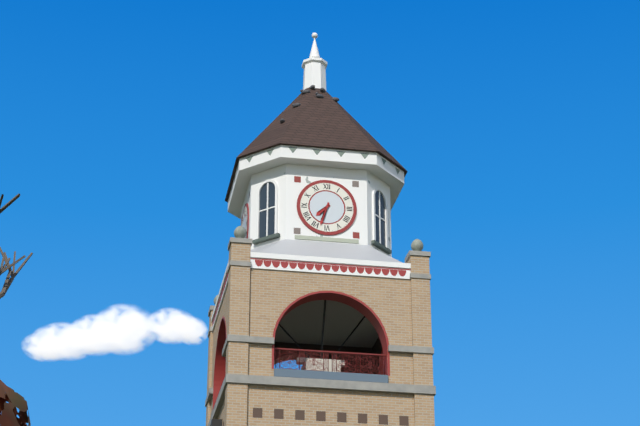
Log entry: 7:33
